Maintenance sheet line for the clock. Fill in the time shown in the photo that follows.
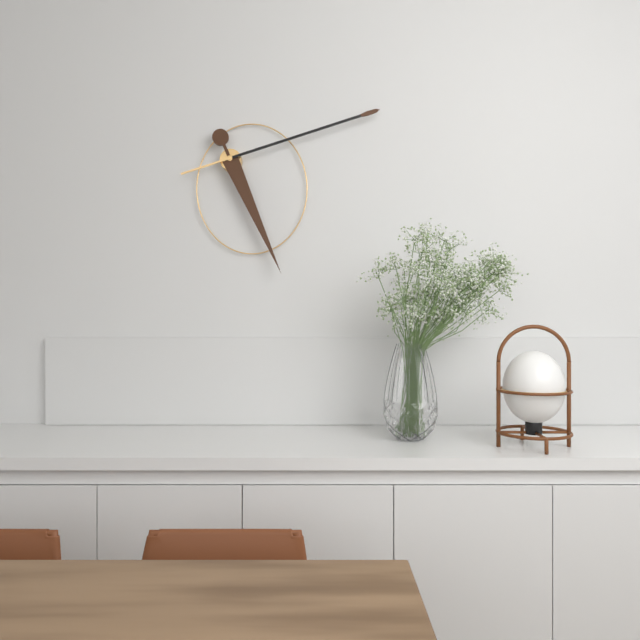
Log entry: 5:12
